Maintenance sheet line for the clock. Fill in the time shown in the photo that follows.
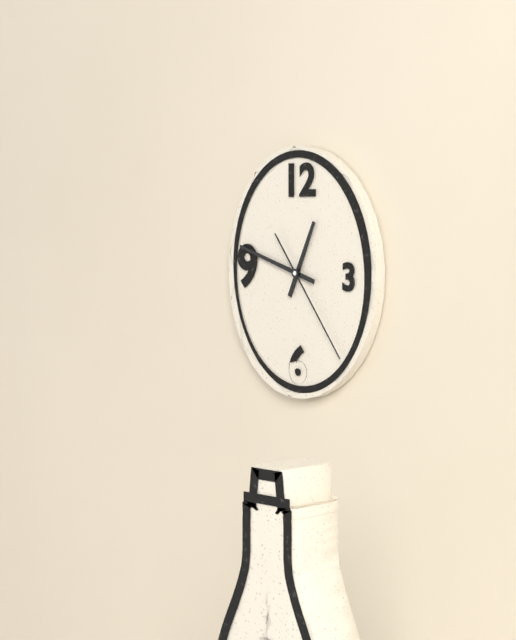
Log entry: 12:48:24
